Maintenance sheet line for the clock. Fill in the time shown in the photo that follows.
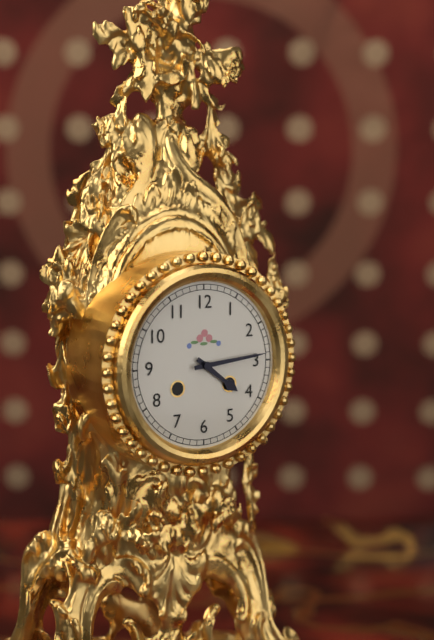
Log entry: 4:14
